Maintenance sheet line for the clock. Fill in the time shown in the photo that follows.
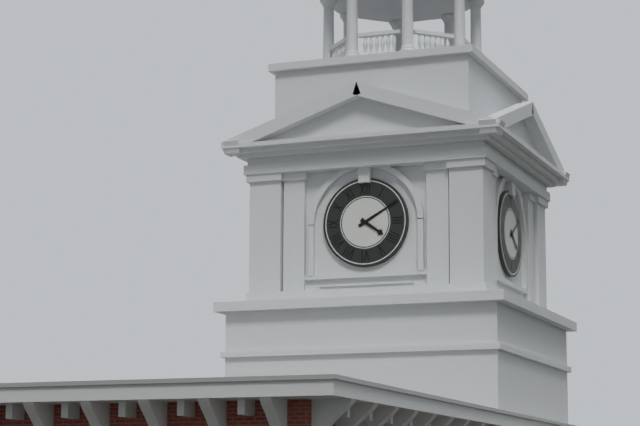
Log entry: 4:10
